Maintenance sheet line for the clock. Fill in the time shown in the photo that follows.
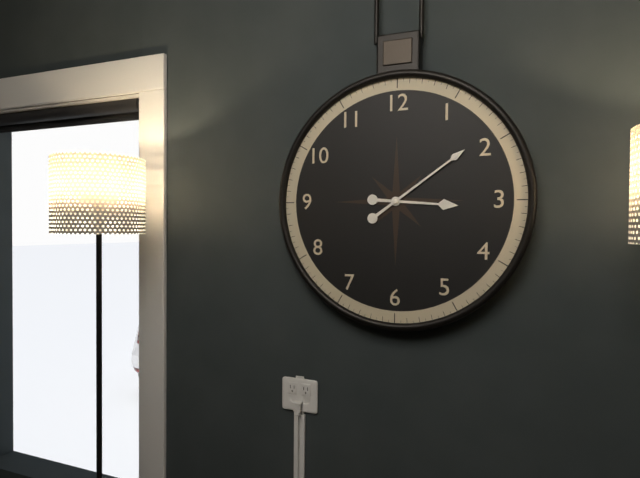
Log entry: 3:09
